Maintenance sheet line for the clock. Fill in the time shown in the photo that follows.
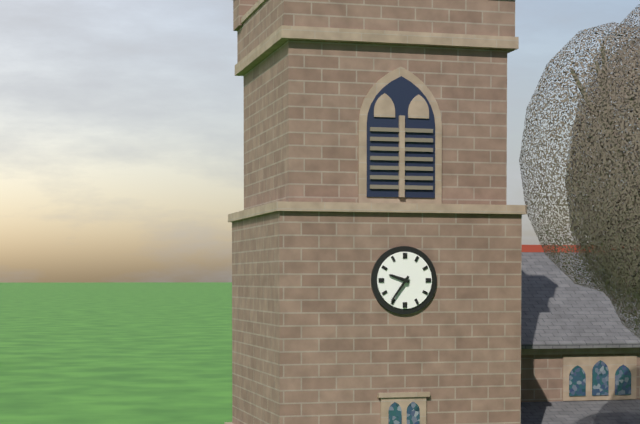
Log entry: 9:36
